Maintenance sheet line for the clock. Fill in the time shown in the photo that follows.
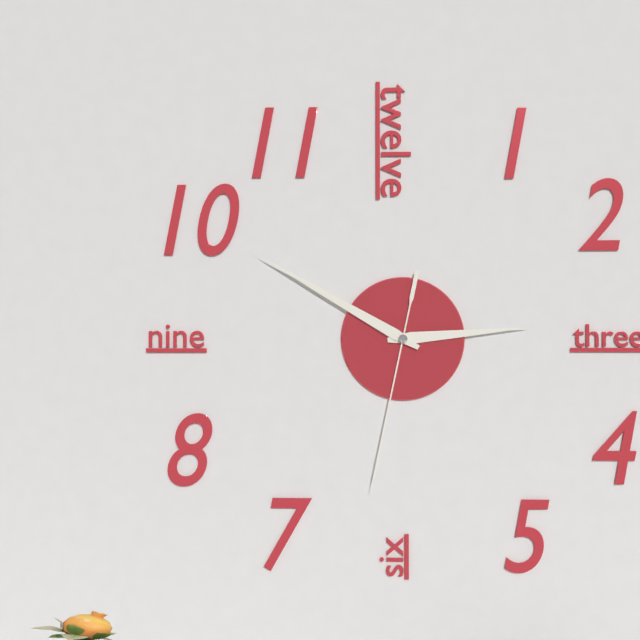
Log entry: 2:50:32
